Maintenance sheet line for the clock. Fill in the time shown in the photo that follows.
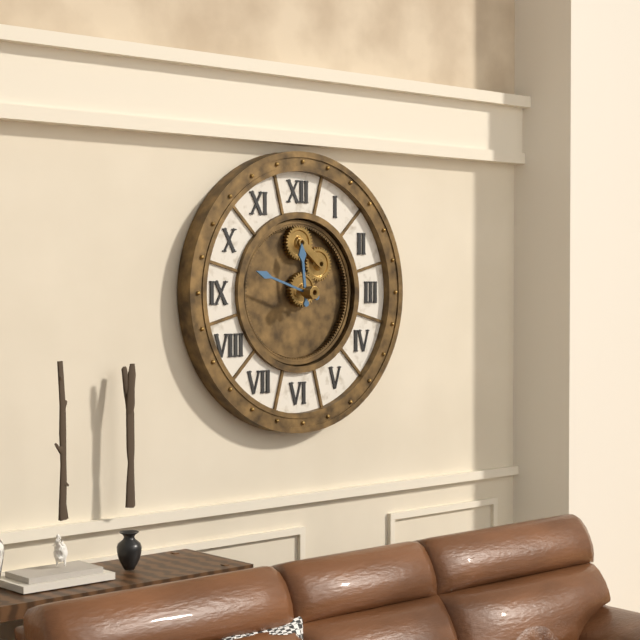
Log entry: 11:48
